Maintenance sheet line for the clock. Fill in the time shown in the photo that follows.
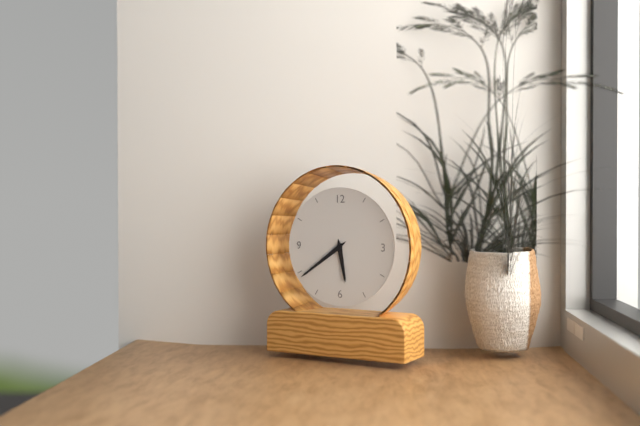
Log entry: 5:39
